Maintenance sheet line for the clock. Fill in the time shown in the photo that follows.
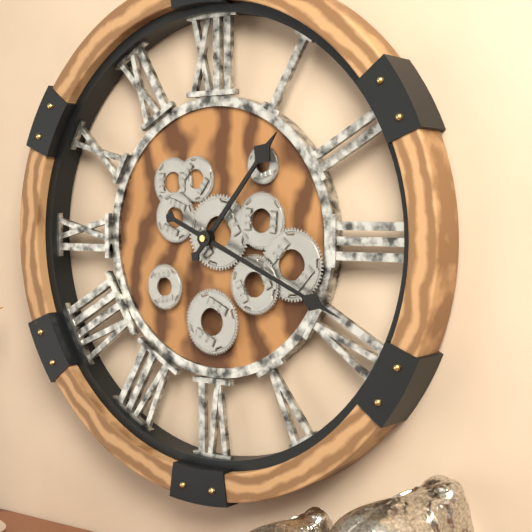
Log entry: 1:19
